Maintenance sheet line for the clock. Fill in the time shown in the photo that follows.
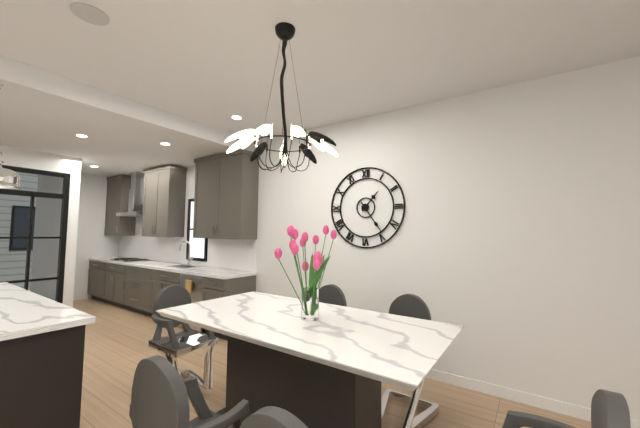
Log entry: 1:24
